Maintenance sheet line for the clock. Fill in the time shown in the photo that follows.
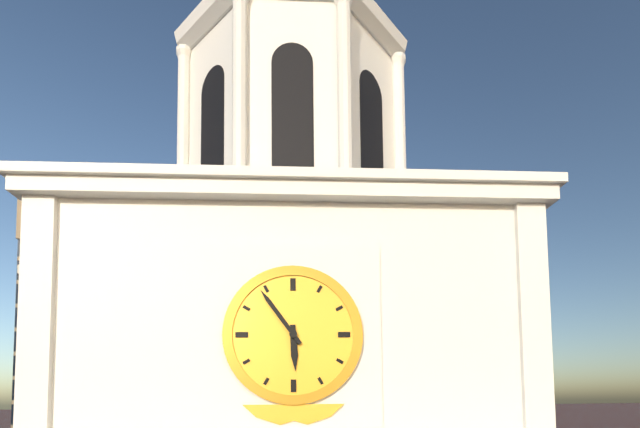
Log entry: 5:54
